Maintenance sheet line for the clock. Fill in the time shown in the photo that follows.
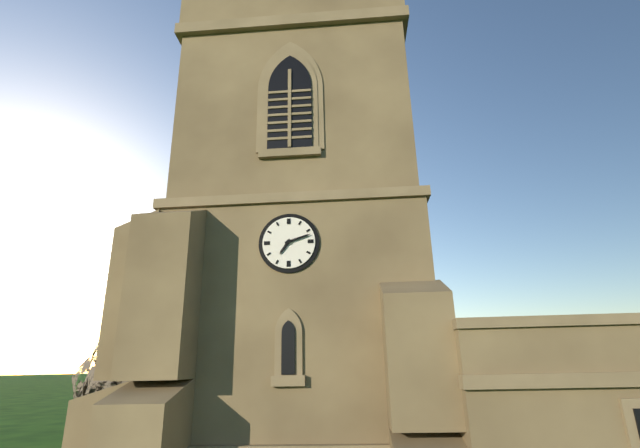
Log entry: 7:12
